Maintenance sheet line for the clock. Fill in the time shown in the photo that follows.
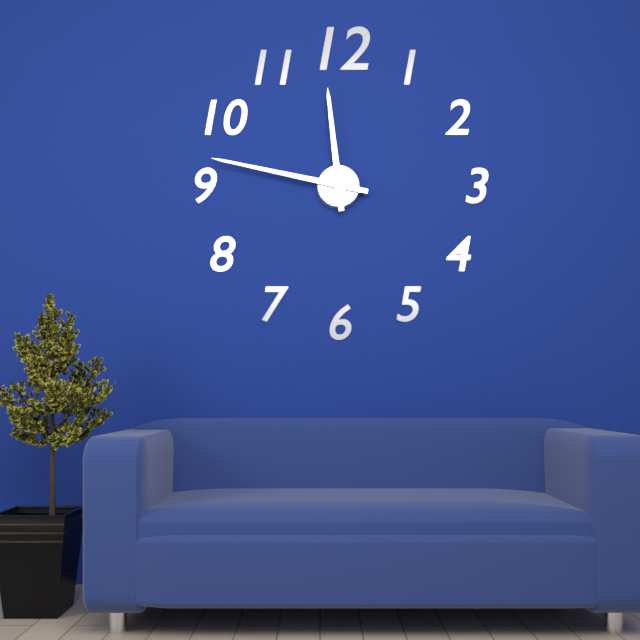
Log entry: 11:47
